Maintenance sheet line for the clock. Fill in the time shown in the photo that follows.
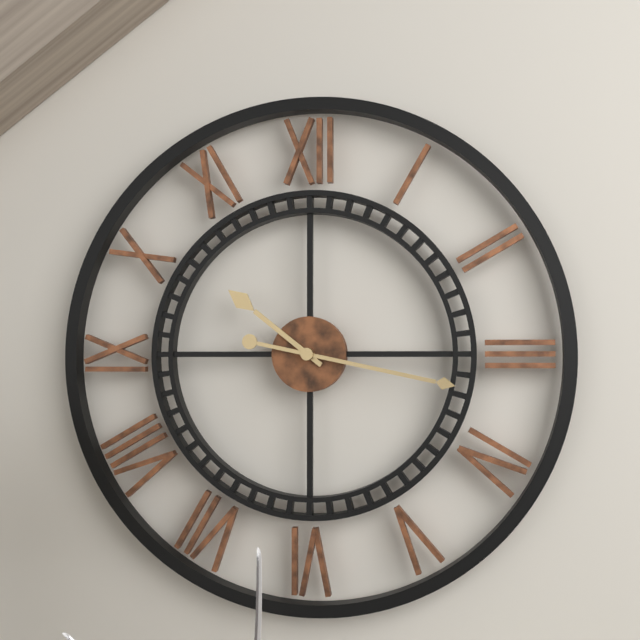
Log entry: 10:17
